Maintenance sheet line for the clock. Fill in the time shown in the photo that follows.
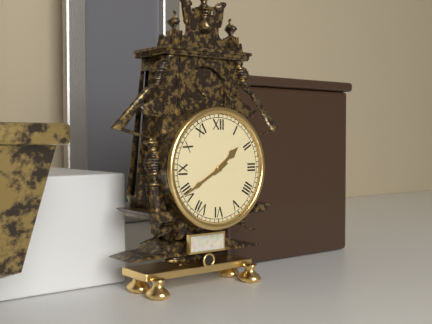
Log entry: 1:40
